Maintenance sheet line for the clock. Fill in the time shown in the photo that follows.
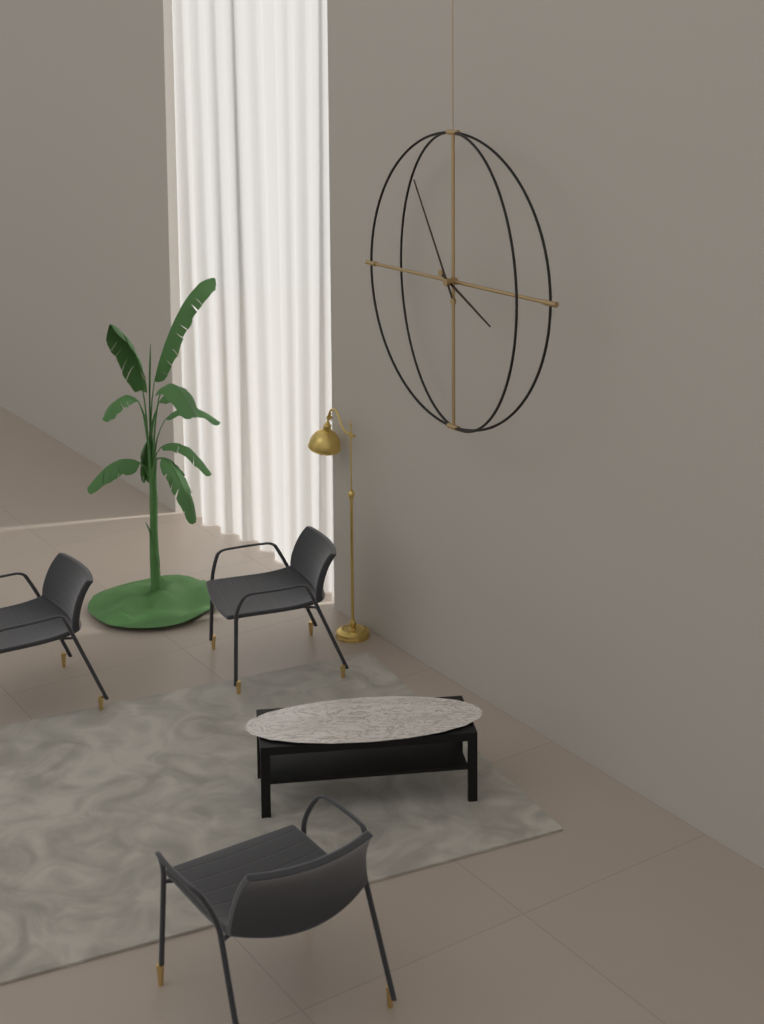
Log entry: 3:55
